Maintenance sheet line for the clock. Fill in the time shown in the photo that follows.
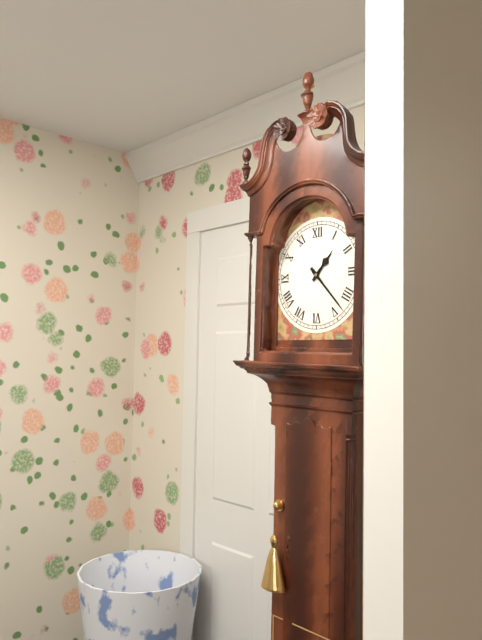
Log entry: 1:23
